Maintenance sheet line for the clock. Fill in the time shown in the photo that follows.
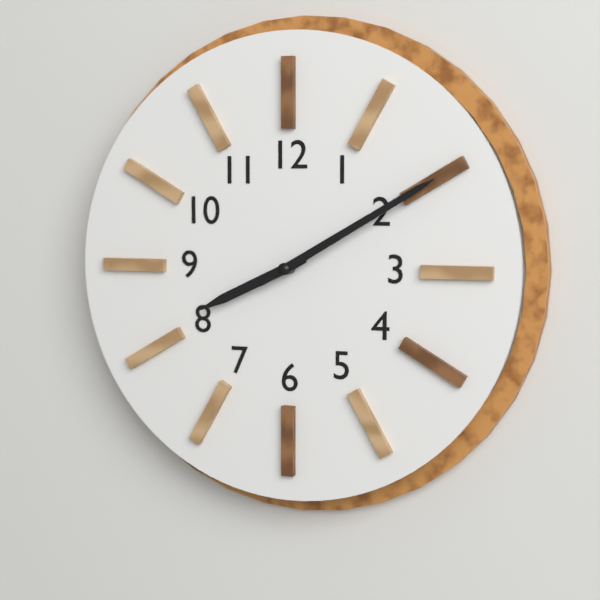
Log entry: 8:10
